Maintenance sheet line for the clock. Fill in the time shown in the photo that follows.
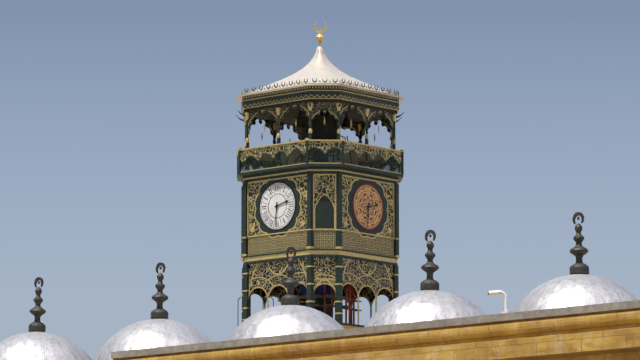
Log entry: 2:31
